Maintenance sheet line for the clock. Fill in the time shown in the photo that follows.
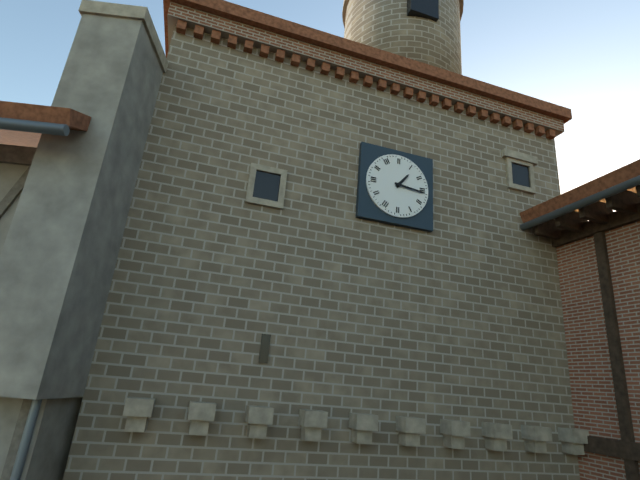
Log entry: 1:16
